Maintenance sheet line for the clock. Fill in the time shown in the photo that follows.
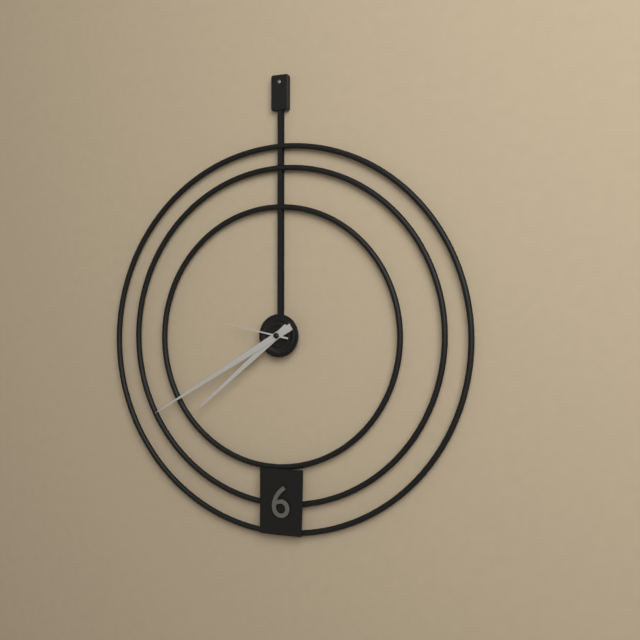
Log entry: 7:40:47
